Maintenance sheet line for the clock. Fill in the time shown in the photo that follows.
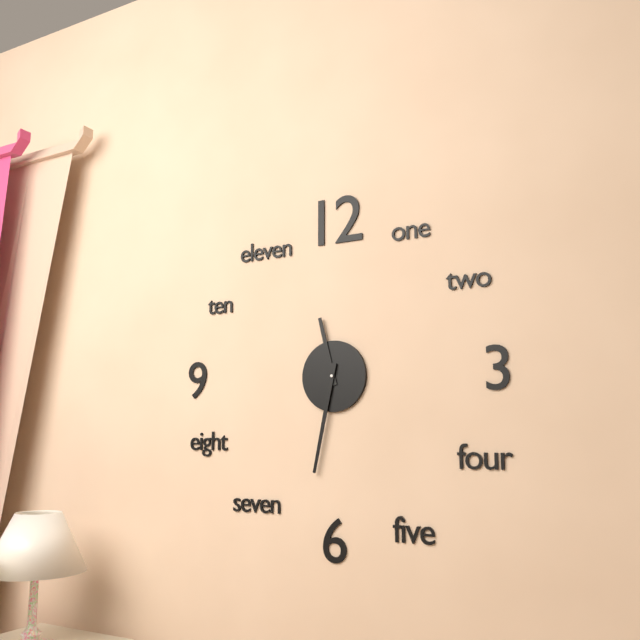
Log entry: 11:32
